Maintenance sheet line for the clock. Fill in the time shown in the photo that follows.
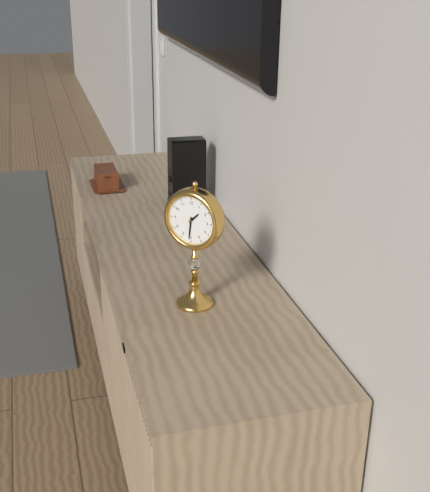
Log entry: 1:31
